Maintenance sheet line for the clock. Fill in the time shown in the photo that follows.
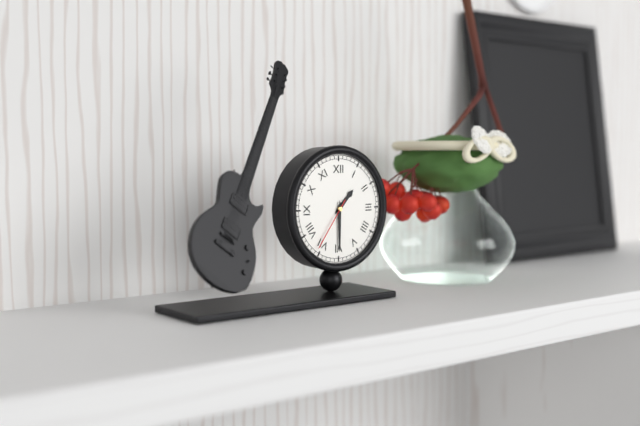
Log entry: 1:30:36
